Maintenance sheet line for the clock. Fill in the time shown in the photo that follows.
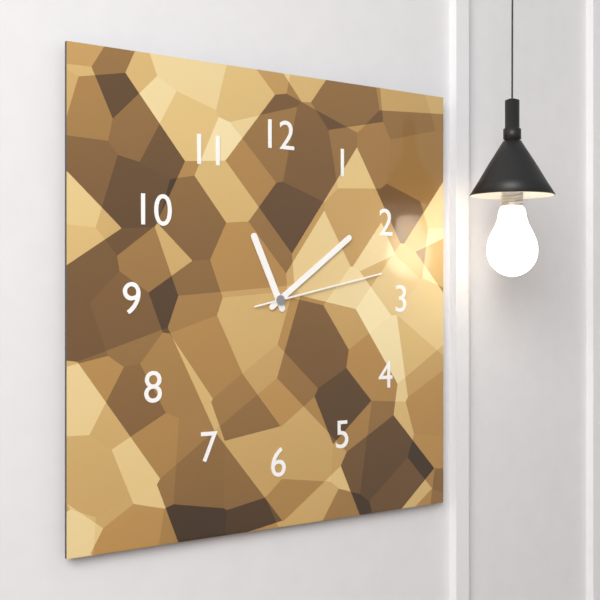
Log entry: 11:09:13
